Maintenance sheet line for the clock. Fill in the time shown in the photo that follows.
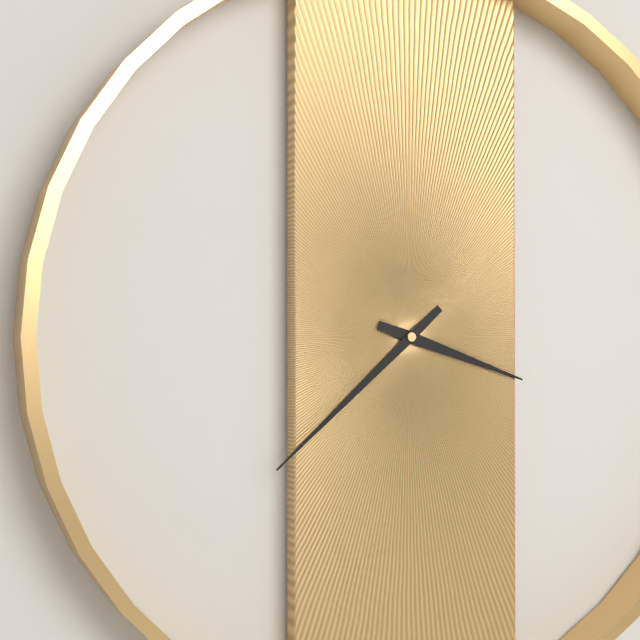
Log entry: 3:38
